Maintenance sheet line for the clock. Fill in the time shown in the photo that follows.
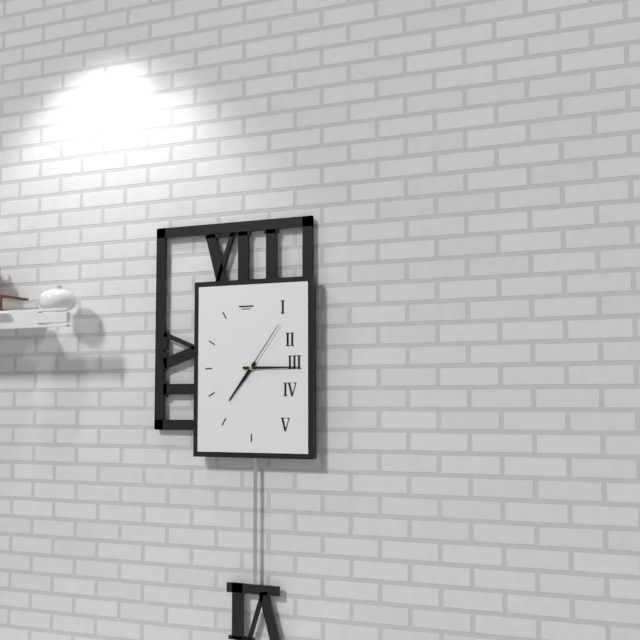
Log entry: 7:15:06
